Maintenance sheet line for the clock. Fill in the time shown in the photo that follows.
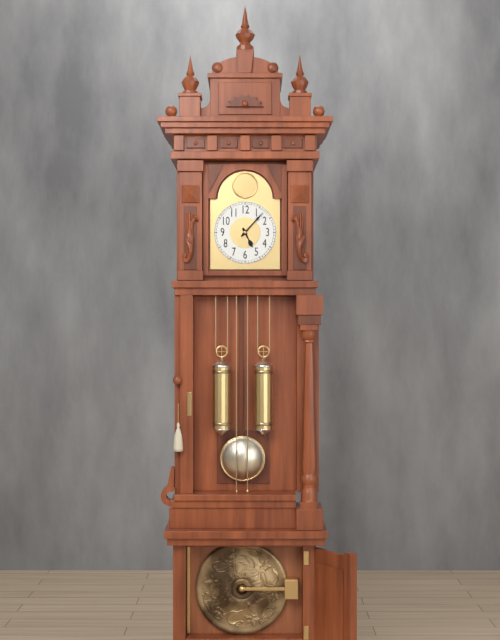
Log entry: 5:07
